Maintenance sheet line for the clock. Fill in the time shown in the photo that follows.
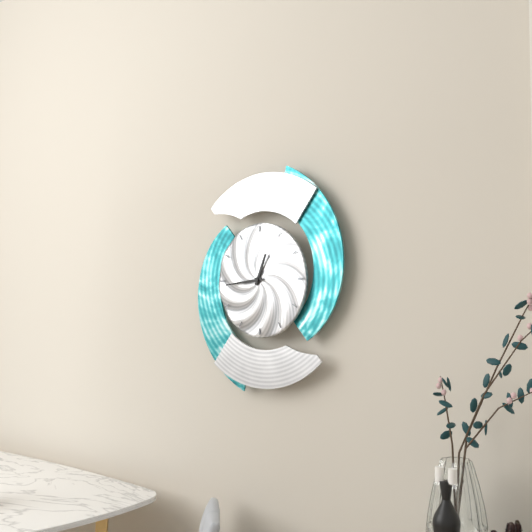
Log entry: 12:44
